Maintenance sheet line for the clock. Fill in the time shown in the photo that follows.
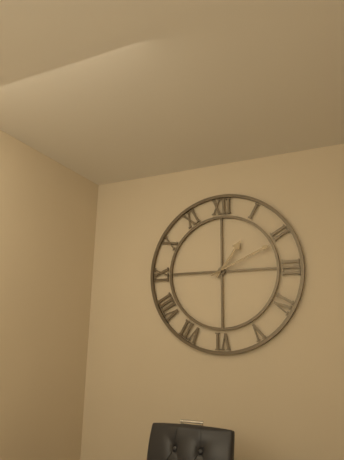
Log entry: 1:11
